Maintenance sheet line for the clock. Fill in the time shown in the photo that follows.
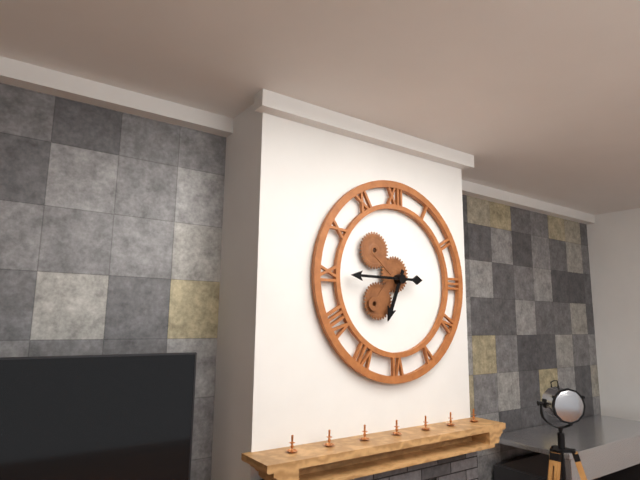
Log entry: 6:45
